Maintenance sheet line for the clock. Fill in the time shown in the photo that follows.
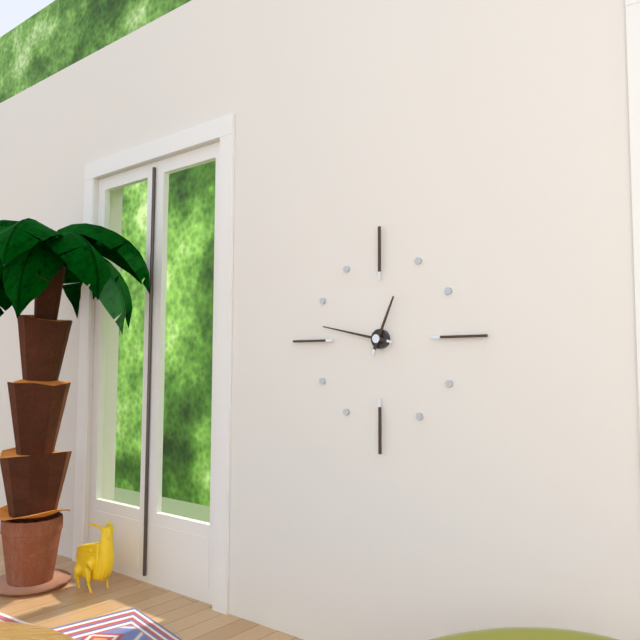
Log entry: 12:47
